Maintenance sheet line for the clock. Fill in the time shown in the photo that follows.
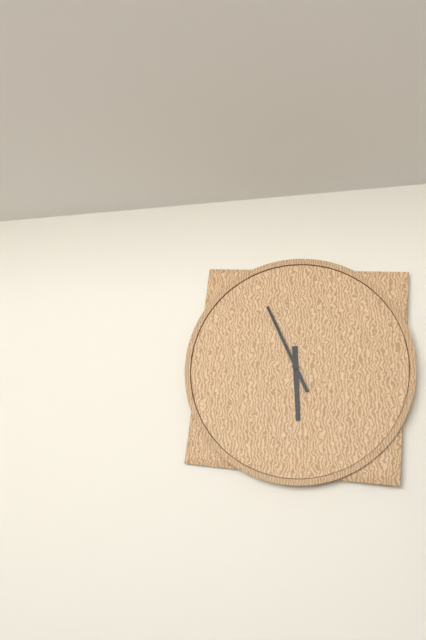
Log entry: 5:56
